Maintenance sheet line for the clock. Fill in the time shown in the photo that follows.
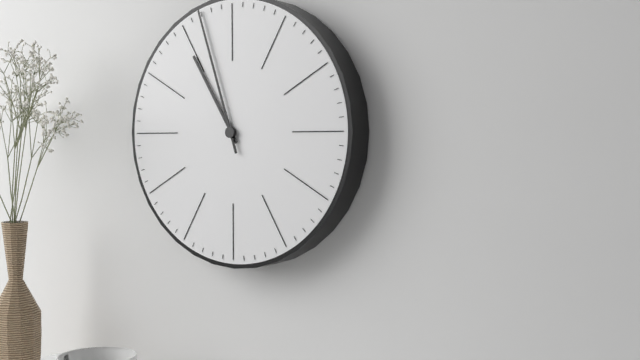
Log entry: 10:57
